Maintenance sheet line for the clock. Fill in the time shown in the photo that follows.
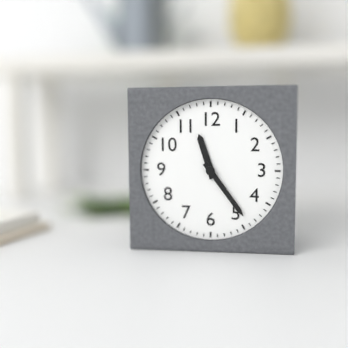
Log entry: 11:24
